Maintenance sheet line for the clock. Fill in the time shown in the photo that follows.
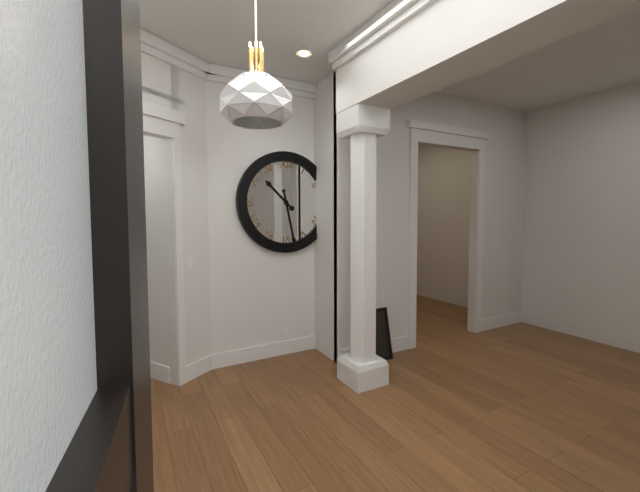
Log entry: 10:28
